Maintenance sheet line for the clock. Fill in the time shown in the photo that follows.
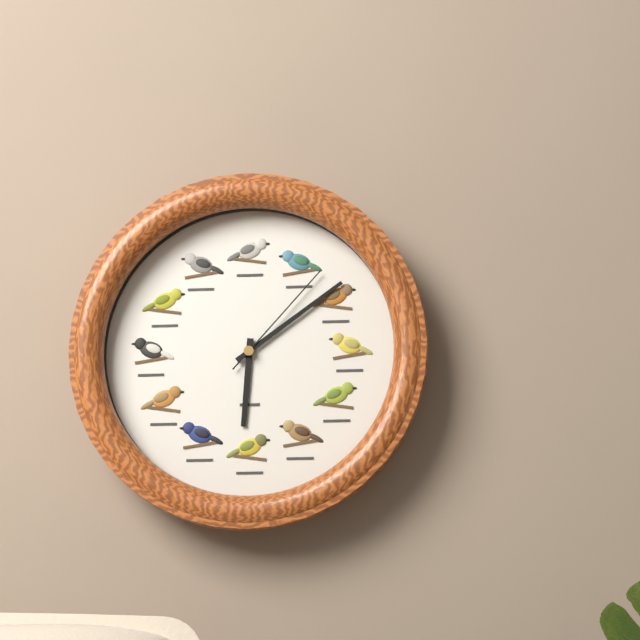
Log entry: 6:09:07
